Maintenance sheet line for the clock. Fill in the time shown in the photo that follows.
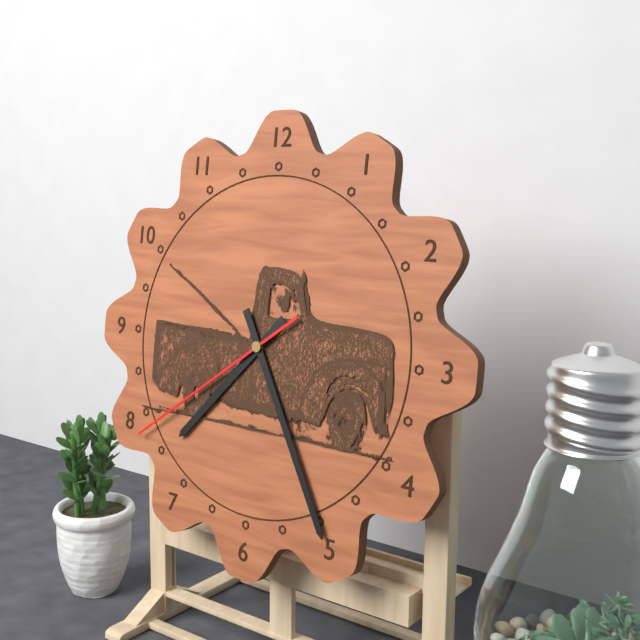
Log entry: 7:25:39
